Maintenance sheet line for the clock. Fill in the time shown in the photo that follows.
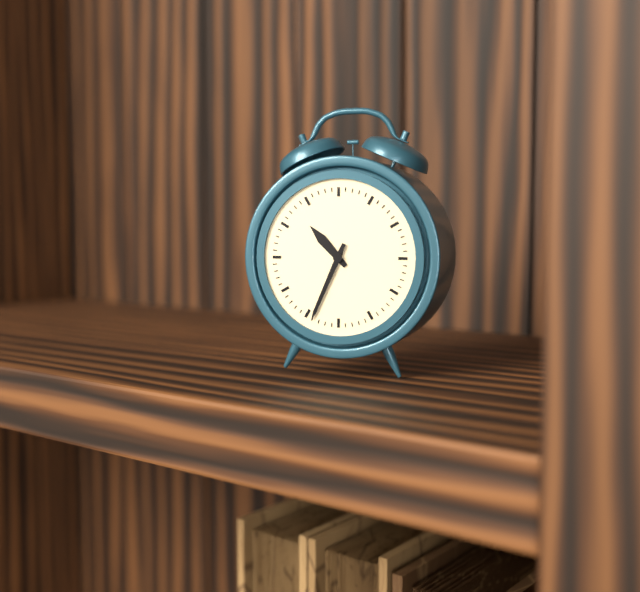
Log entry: 10:34
